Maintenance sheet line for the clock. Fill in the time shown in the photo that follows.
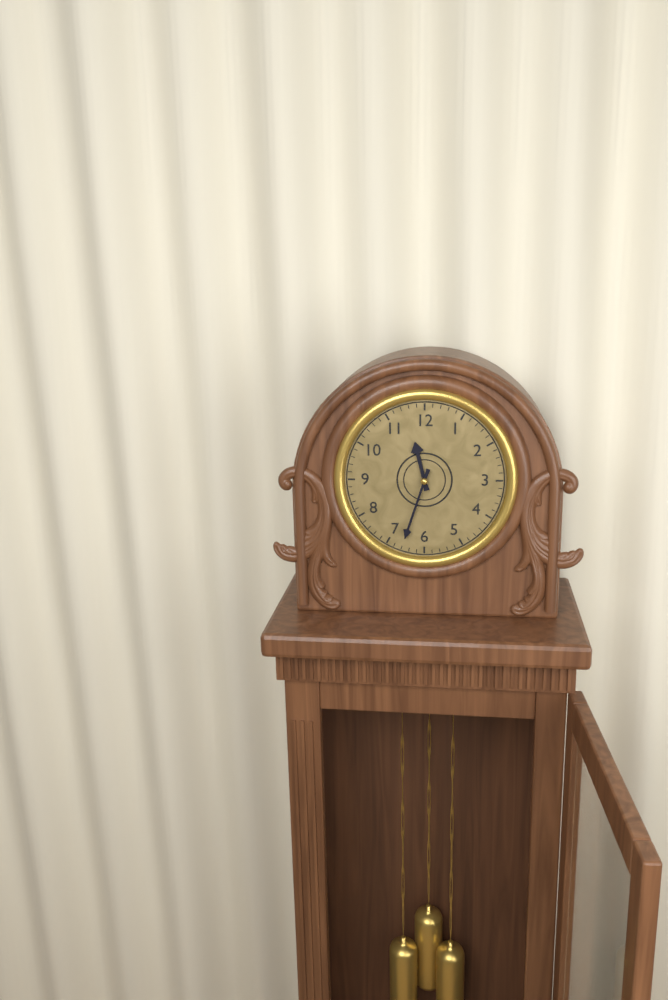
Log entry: 11:33
